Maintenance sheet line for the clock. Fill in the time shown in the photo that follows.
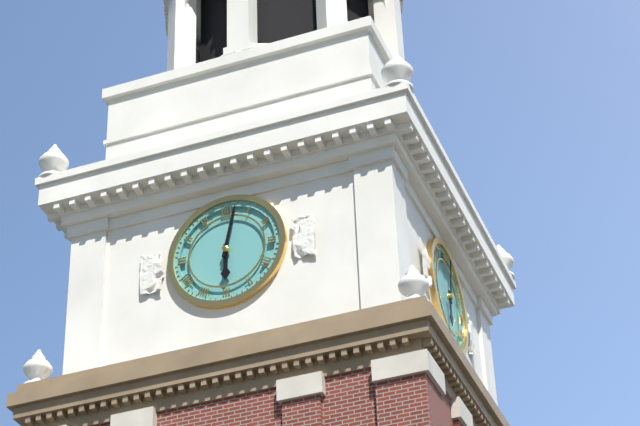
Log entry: 6:02
